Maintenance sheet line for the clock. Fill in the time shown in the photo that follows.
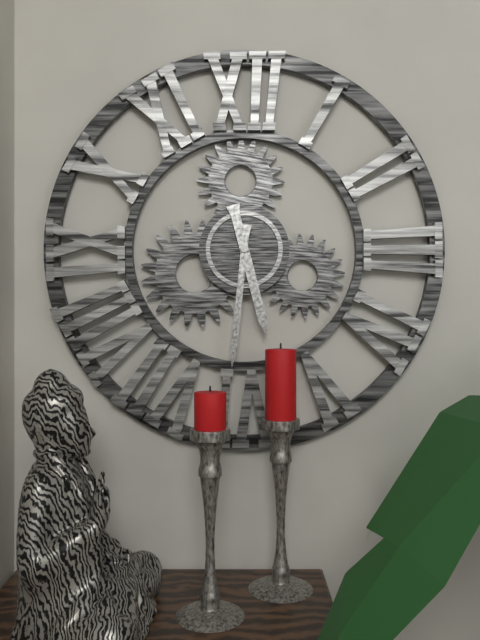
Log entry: 5:31
